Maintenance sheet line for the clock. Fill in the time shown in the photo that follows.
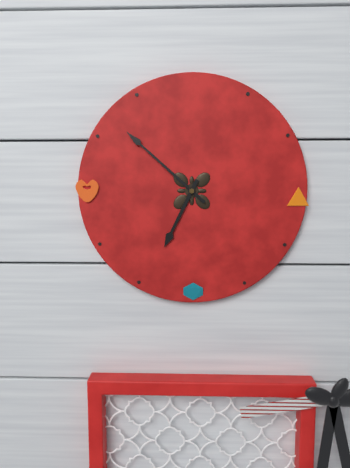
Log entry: 6:52
